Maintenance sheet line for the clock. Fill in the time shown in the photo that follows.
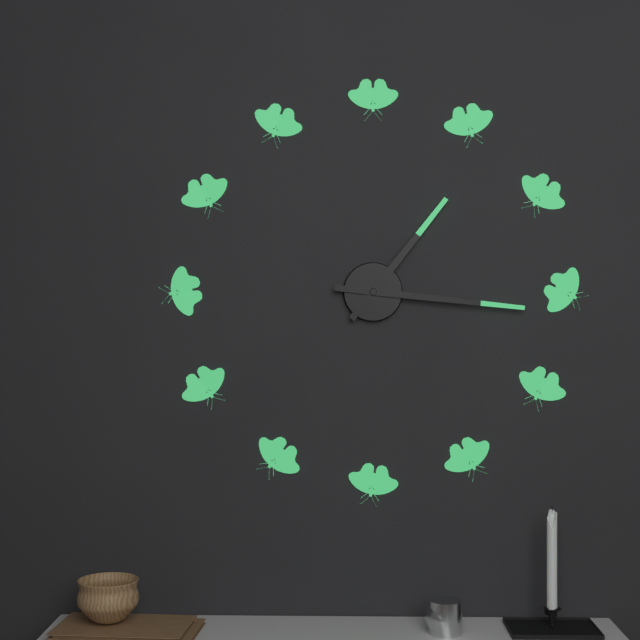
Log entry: 1:16
